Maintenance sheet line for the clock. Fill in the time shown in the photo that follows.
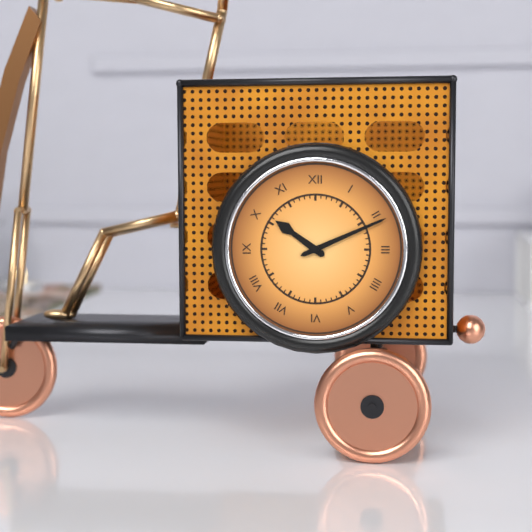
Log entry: 10:11
